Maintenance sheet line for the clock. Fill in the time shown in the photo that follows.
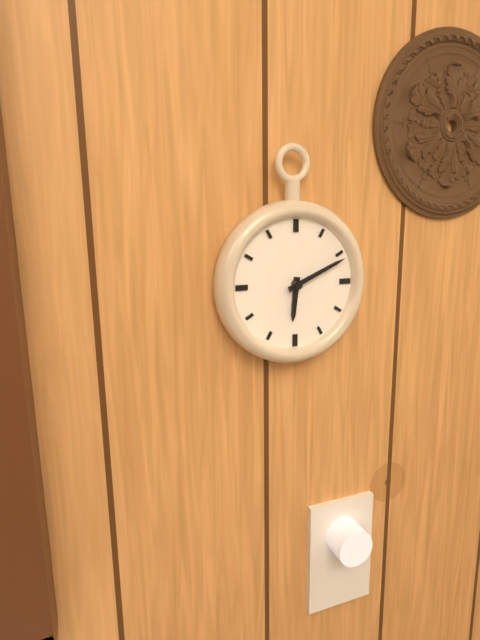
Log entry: 6:11
